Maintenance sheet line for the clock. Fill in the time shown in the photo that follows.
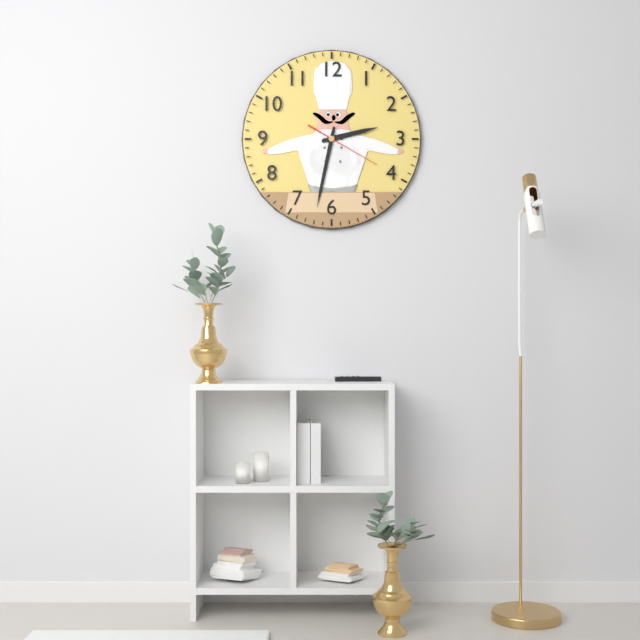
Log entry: 2:32:20
